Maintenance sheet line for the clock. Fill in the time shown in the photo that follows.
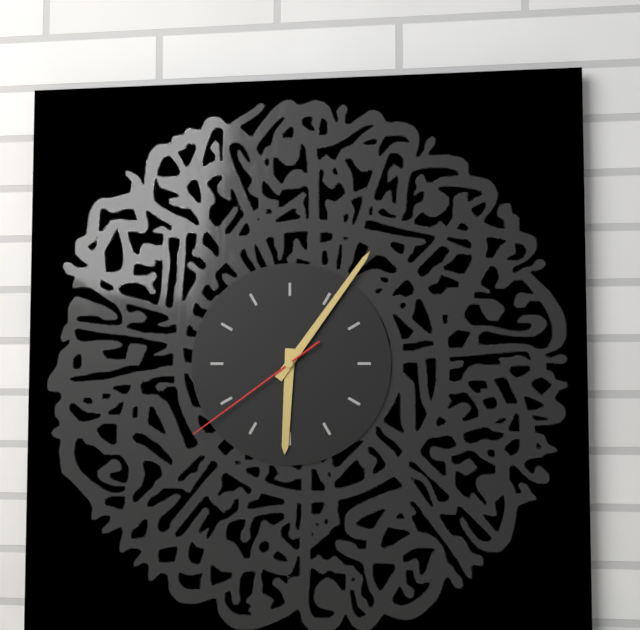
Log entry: 6:06:39
